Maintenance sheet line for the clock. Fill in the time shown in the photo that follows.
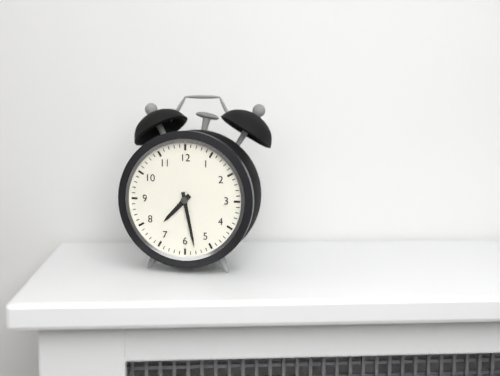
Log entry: 7:28
